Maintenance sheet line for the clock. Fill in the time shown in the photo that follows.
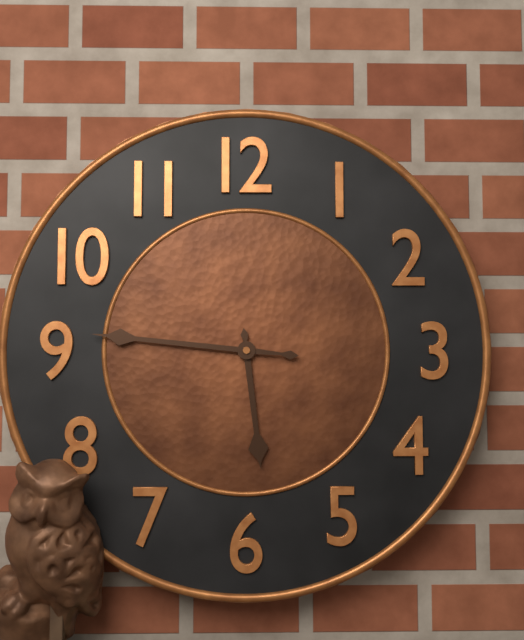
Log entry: 5:46
